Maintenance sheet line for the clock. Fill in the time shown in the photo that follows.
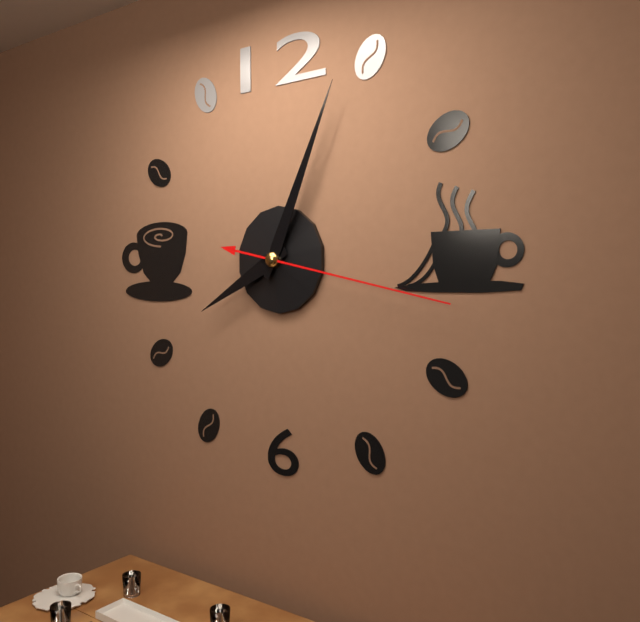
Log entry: 8:04:17
